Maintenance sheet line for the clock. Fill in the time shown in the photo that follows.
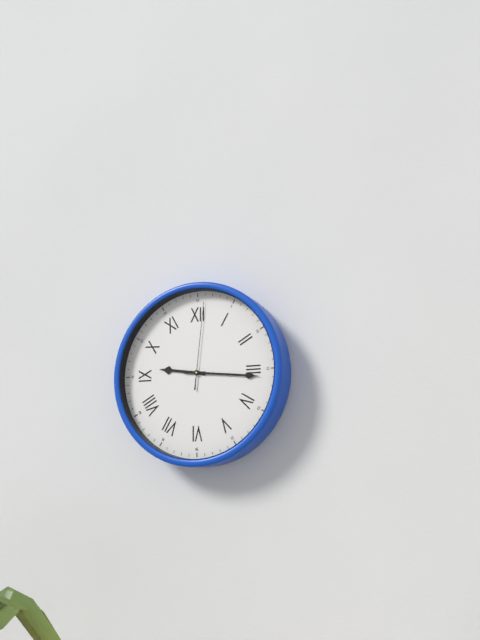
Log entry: 9:16:01
